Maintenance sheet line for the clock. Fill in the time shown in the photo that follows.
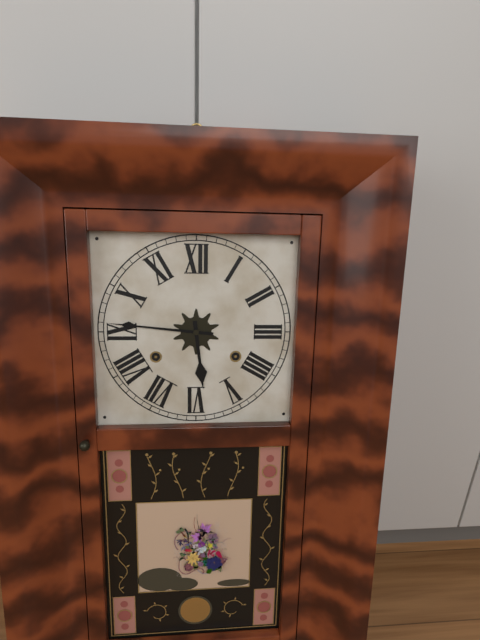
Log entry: 5:46
